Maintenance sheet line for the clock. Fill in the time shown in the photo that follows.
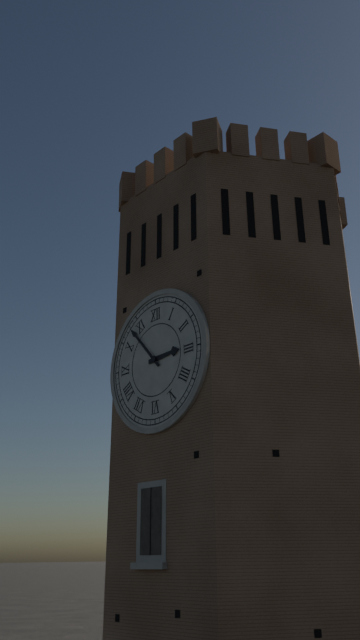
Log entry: 2:53
